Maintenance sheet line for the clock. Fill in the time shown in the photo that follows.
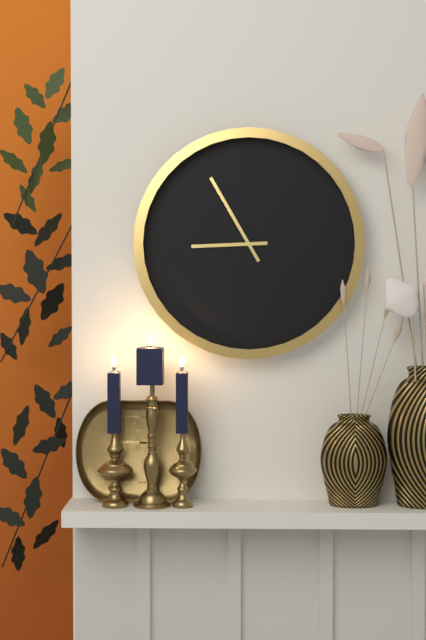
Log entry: 8:55
